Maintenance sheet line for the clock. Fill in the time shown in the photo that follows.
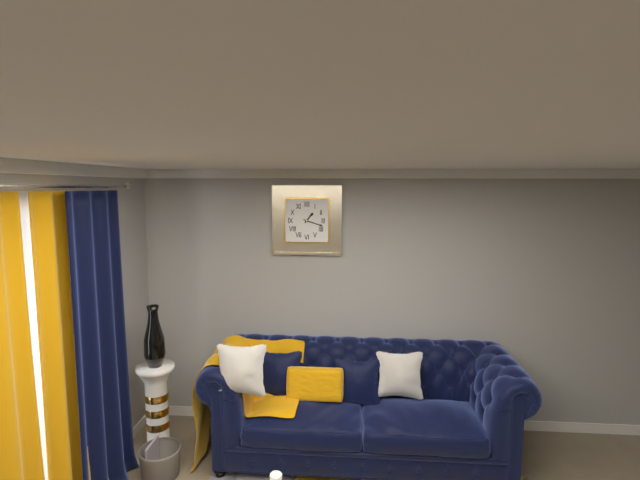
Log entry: 1:18
